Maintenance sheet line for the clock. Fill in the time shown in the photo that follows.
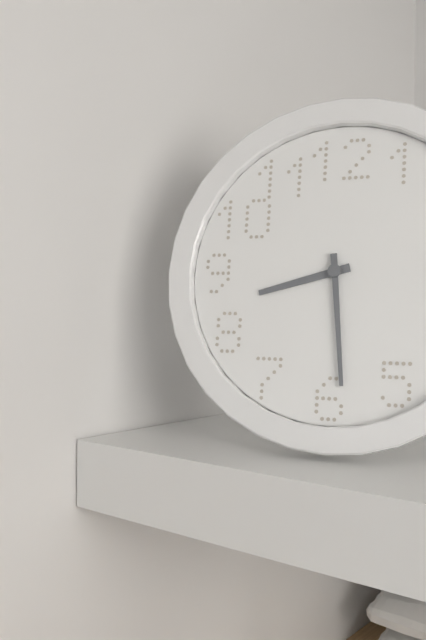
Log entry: 8:29
